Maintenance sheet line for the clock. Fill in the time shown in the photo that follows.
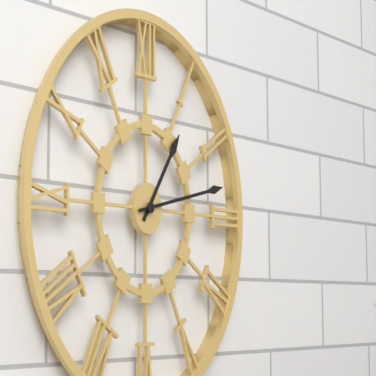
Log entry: 1:13
